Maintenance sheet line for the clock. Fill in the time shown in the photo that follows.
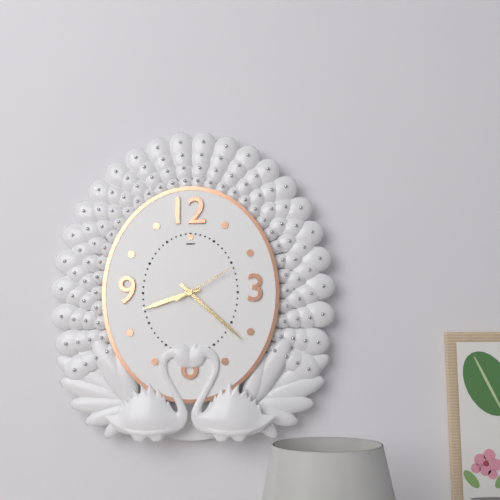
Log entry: 8:22:10
